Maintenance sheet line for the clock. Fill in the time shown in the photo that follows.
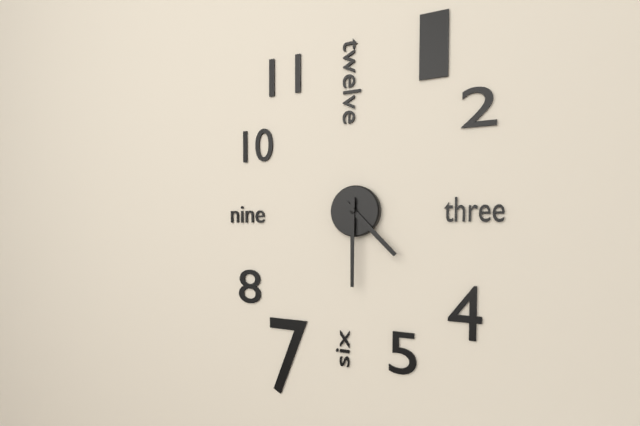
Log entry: 4:30
